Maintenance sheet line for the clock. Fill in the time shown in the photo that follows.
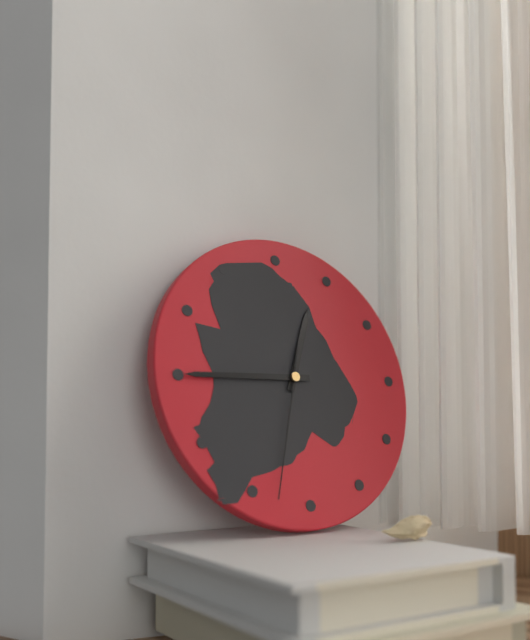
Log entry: 12:45:33
